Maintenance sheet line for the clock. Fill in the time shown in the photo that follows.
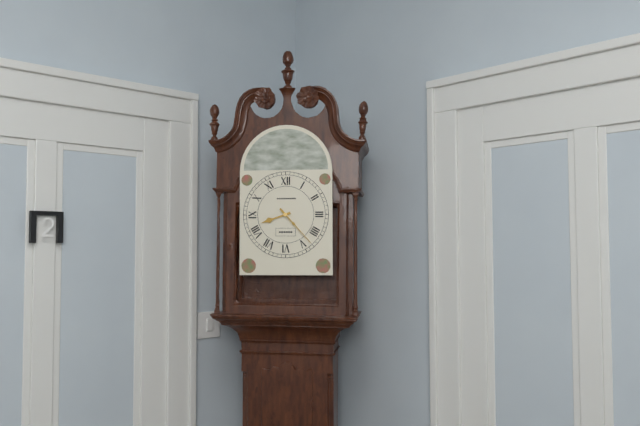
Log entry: 8:23
